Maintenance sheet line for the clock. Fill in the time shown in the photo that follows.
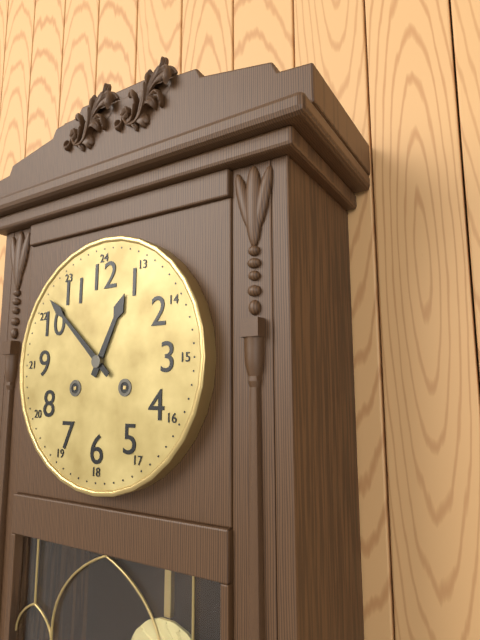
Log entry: 12:52
